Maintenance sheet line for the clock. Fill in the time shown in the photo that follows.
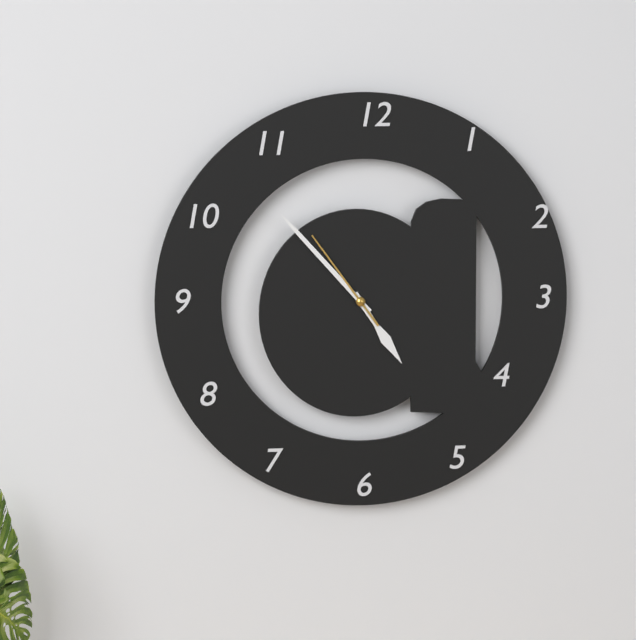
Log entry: 4:53:54
